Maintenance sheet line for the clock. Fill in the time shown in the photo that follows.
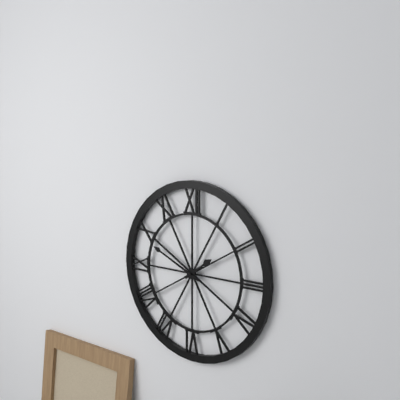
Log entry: 1:49
